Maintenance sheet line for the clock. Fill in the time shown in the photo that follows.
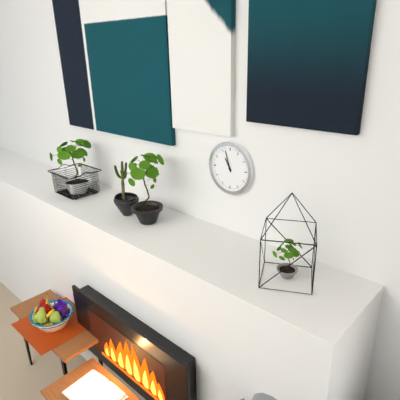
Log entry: 10:57
